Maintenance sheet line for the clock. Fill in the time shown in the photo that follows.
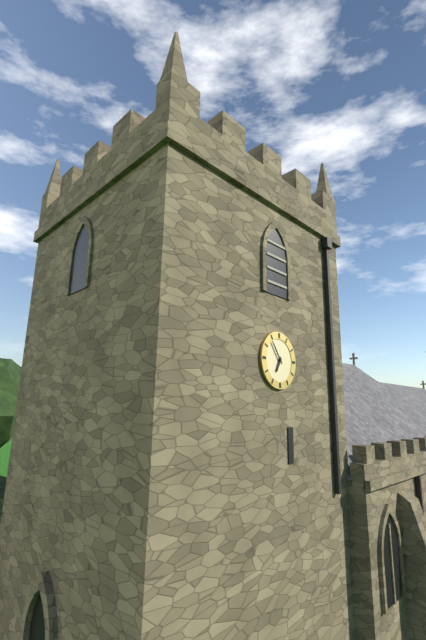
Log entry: 6:54
